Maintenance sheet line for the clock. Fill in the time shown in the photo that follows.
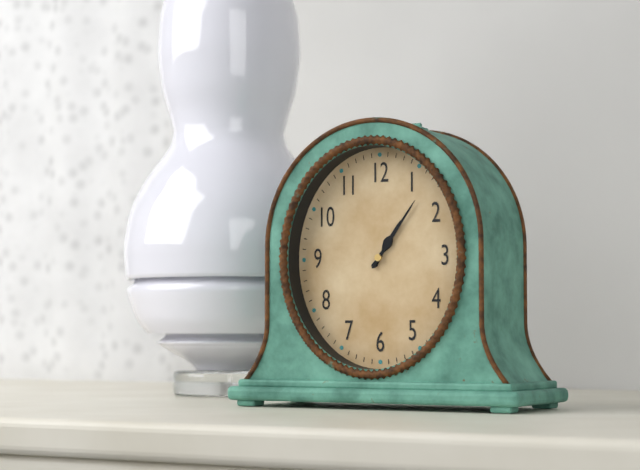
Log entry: 1:06
